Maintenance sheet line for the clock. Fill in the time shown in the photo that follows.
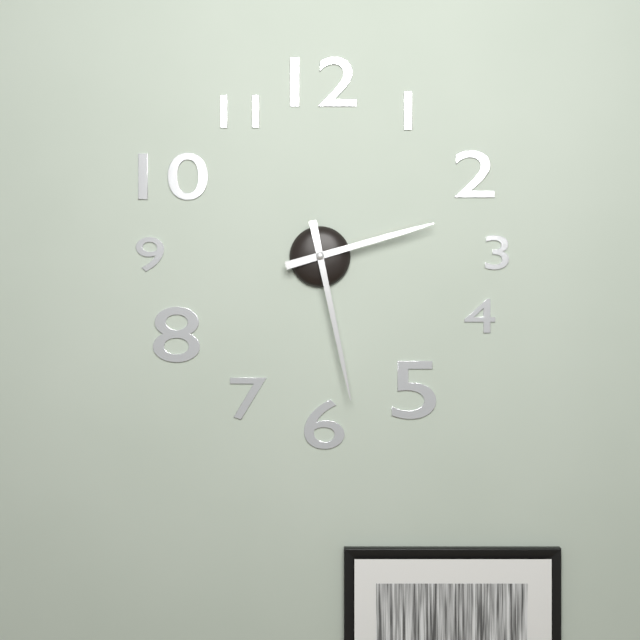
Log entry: 2:28
